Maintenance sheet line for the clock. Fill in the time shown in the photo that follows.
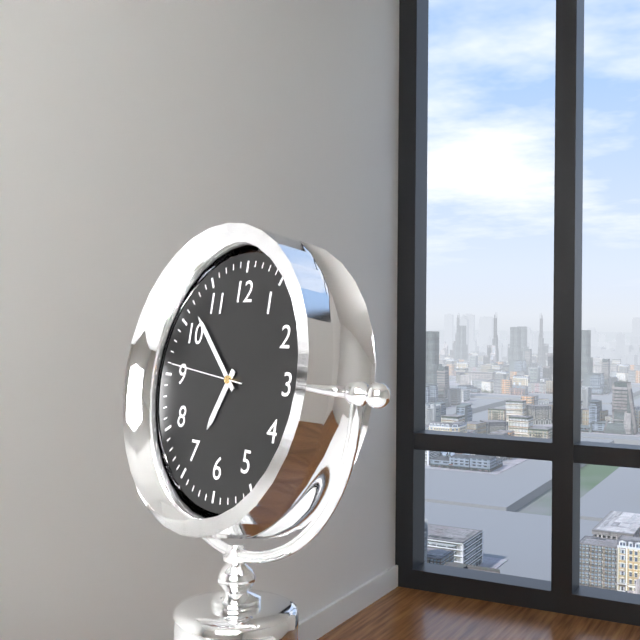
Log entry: 6:52:46
